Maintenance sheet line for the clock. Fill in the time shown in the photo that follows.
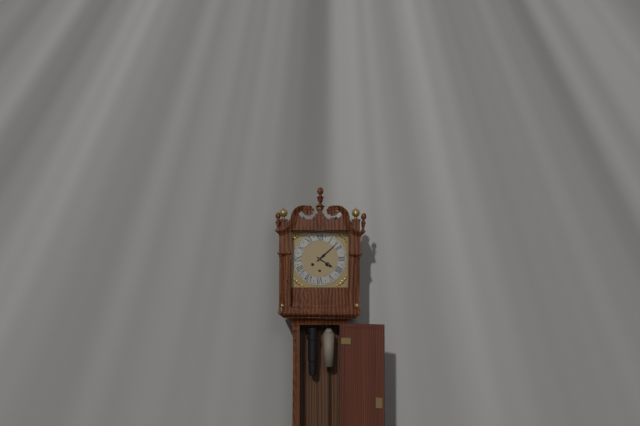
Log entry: 4:08
